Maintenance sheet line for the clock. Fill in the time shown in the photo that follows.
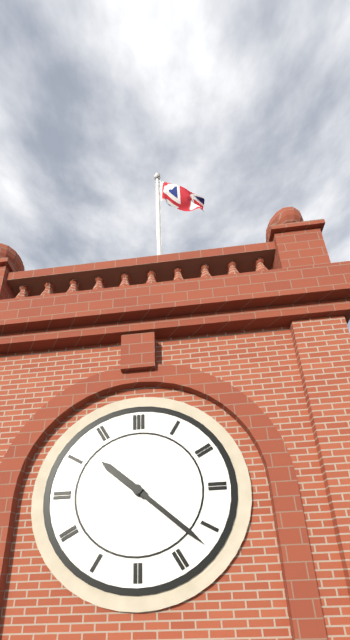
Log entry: 10:22
